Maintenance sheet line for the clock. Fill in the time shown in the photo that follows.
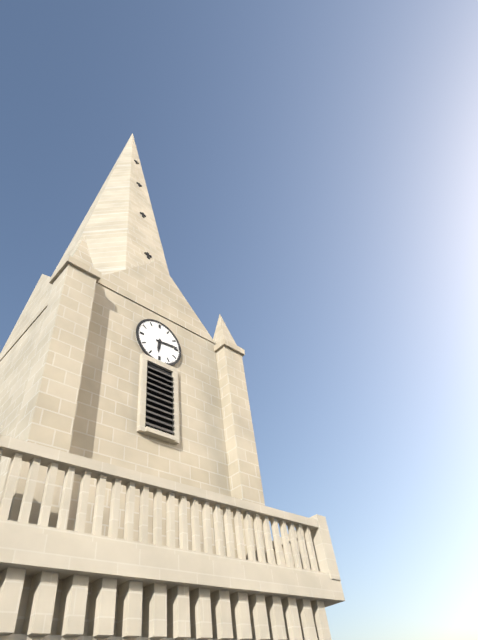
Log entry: 6:14
